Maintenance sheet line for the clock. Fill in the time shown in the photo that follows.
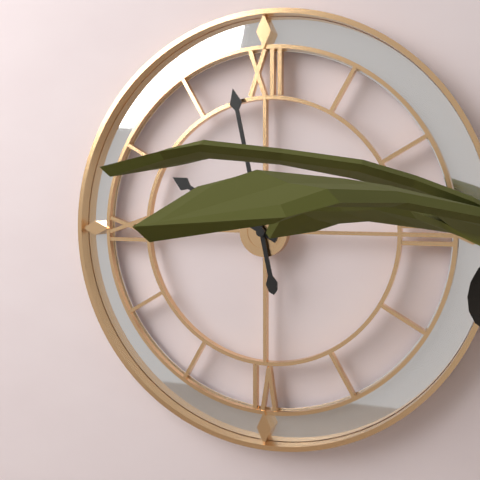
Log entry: 9:58
